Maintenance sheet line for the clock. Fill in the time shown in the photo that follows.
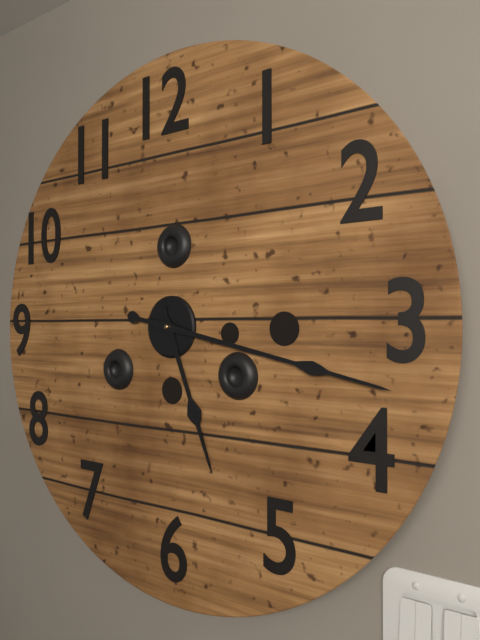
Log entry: 5:17
